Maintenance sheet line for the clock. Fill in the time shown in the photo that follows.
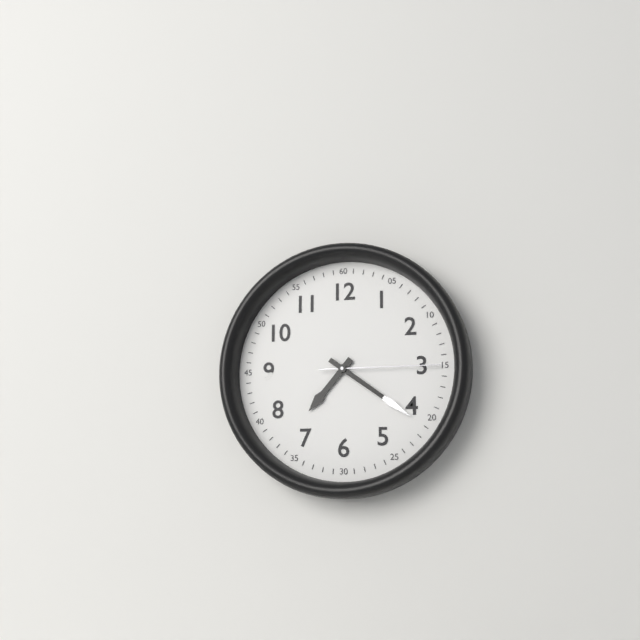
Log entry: 7:21:15
